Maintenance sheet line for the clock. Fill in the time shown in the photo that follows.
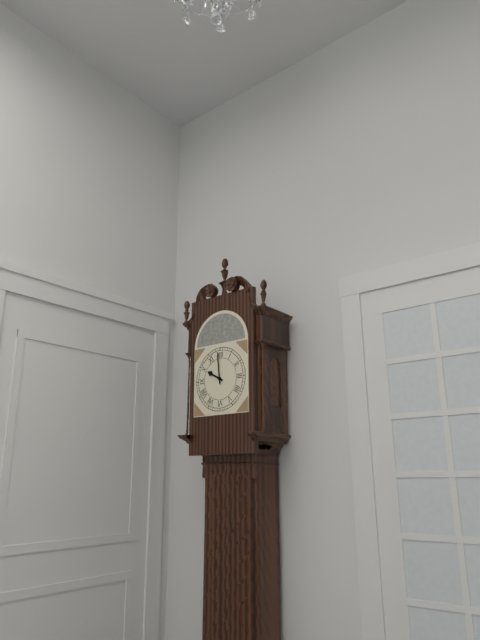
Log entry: 9:59
